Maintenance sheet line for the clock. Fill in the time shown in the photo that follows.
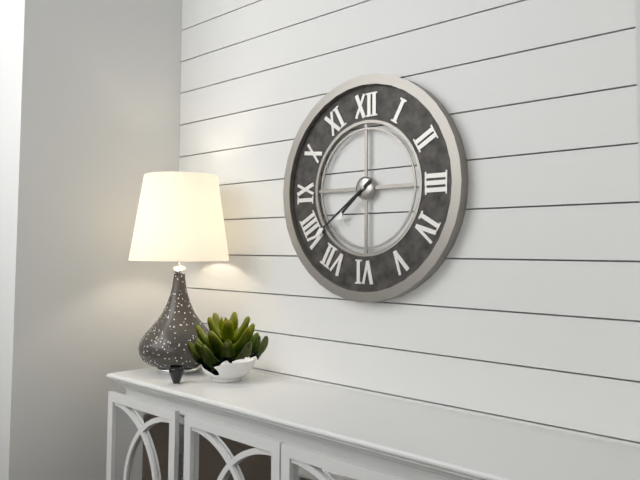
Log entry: 7:39
